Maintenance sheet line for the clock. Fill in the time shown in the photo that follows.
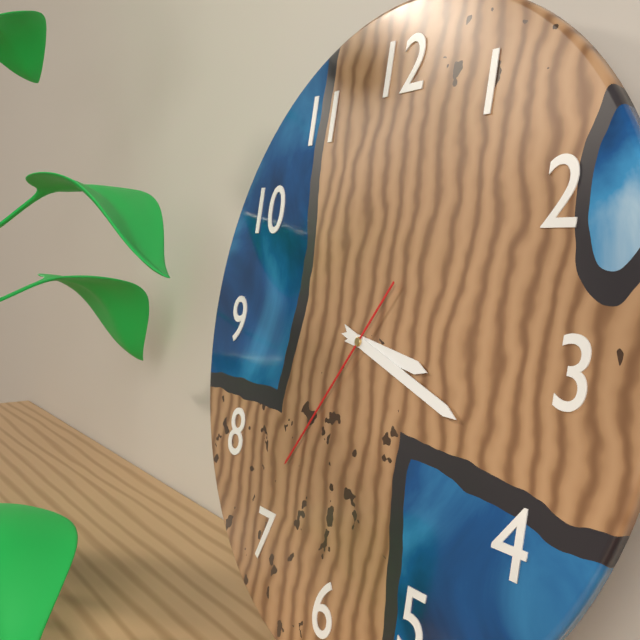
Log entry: 3:18:36
